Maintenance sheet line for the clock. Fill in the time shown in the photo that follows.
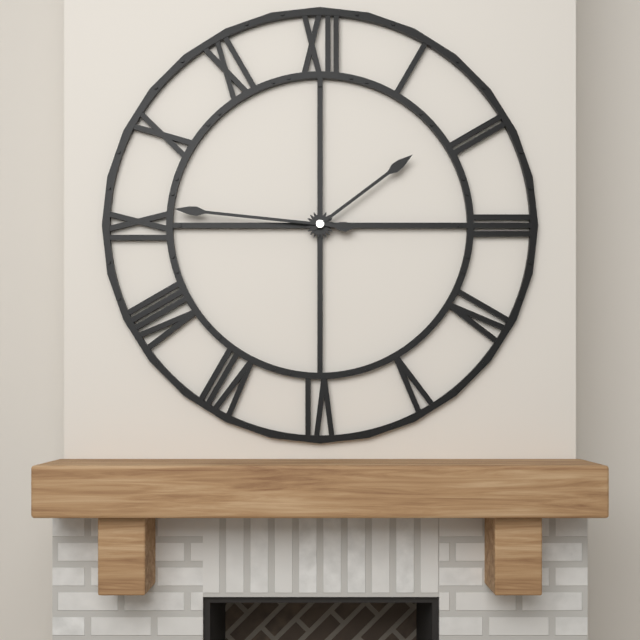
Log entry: 1:46
